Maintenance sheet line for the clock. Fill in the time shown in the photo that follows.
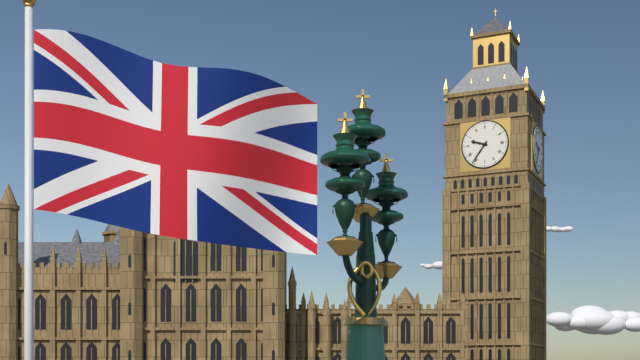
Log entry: 9:36
